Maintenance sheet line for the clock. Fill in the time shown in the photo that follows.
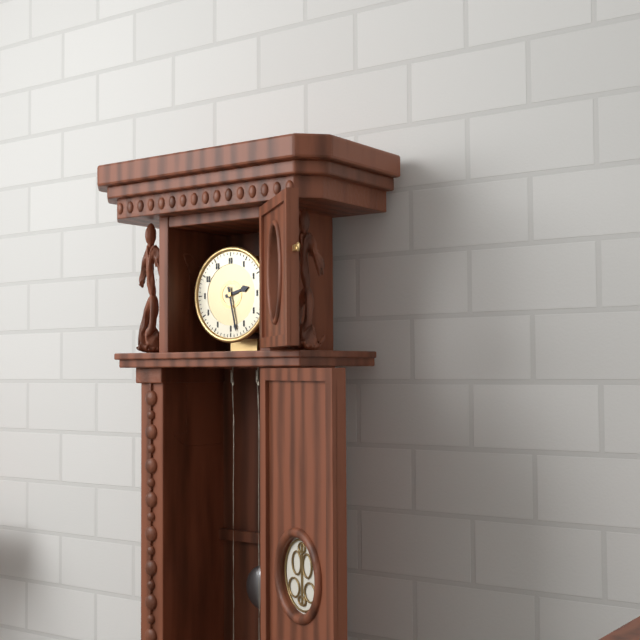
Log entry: 2:28
